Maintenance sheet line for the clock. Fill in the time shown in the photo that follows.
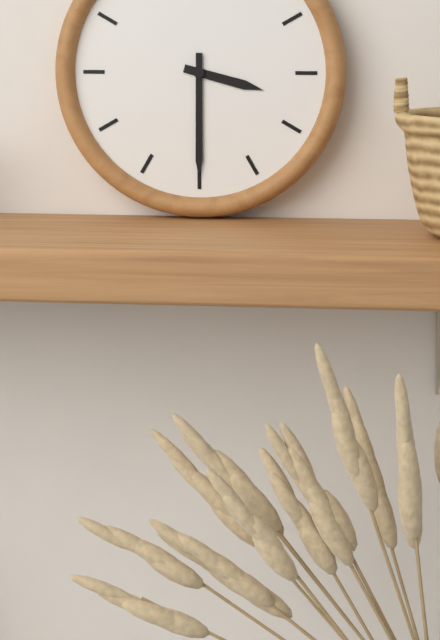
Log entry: 3:30
